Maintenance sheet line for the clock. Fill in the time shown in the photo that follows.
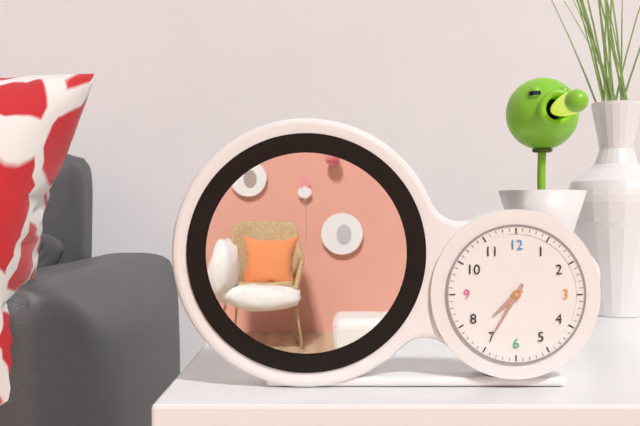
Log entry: 7:35
